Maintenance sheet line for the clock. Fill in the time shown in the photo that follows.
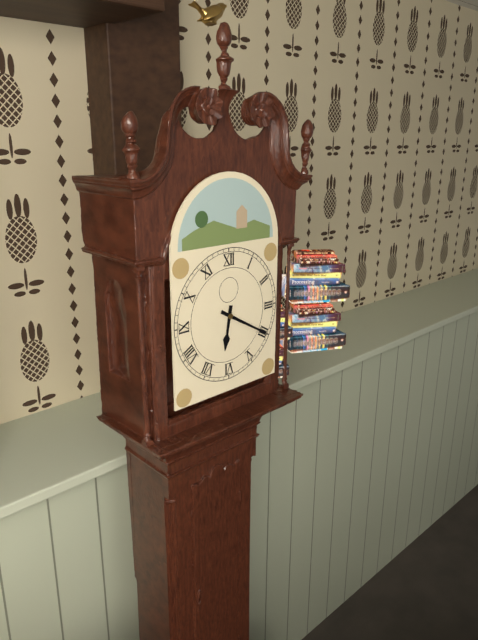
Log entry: 6:20
